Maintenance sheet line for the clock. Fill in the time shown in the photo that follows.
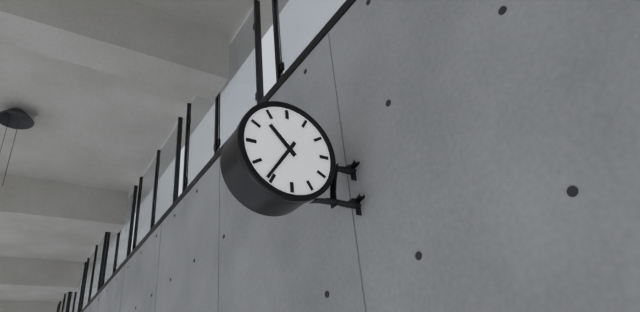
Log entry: 10:36
